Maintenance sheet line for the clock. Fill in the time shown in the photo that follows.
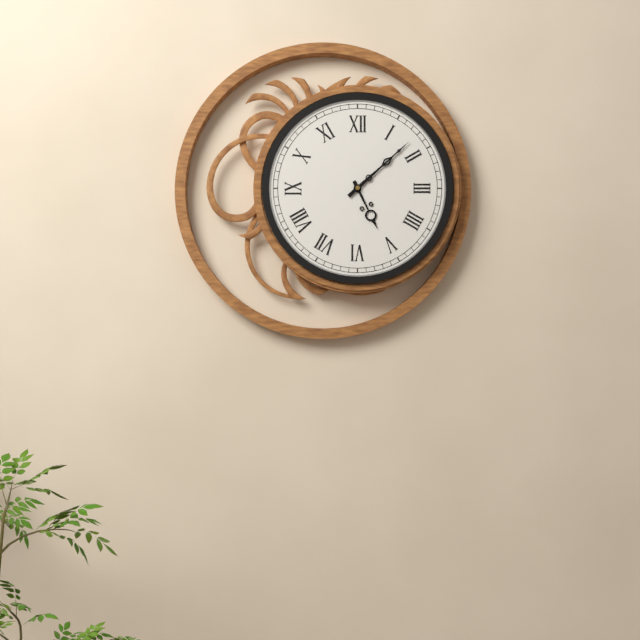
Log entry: 5:08
